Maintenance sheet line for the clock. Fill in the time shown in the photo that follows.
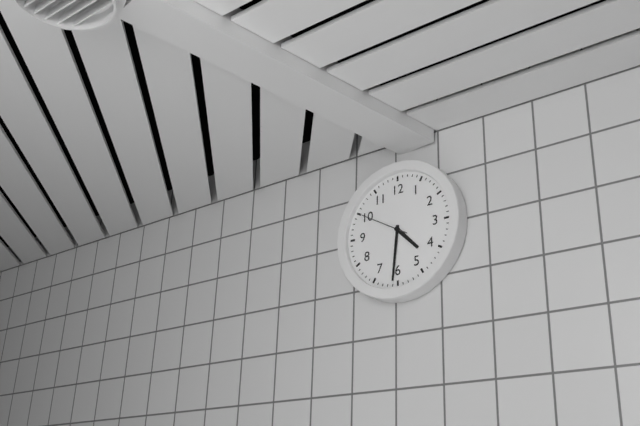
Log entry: 4:31:50
